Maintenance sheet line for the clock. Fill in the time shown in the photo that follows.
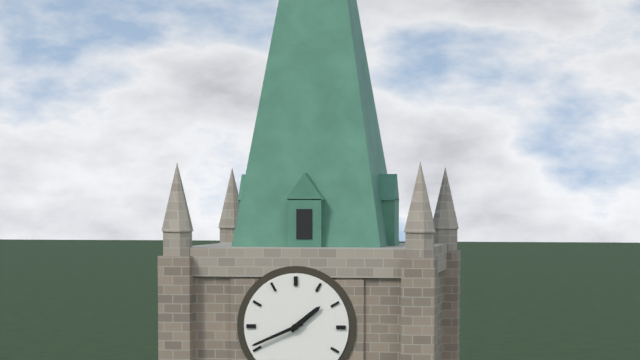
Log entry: 1:41
